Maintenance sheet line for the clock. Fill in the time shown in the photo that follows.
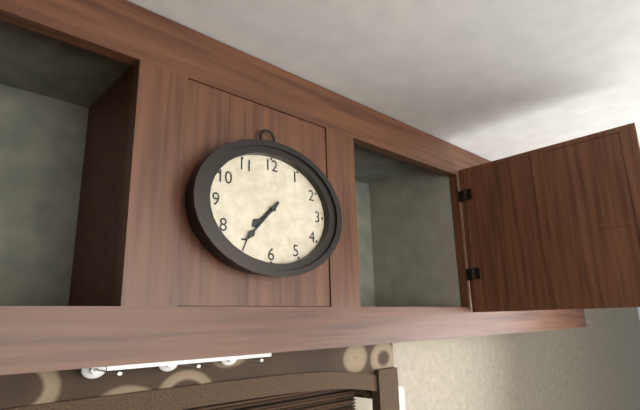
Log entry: 7:37
